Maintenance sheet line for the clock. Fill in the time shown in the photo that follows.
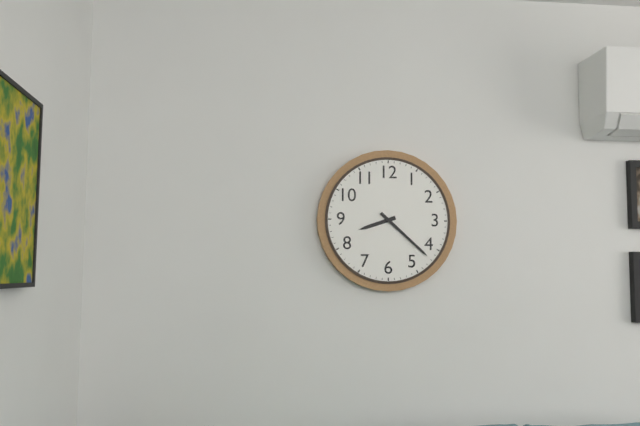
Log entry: 8:22
